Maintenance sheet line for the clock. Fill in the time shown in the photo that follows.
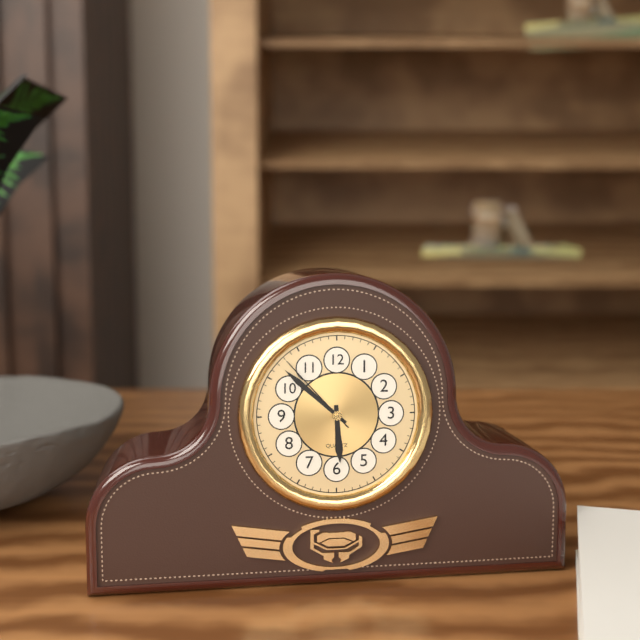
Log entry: 5:52:53
